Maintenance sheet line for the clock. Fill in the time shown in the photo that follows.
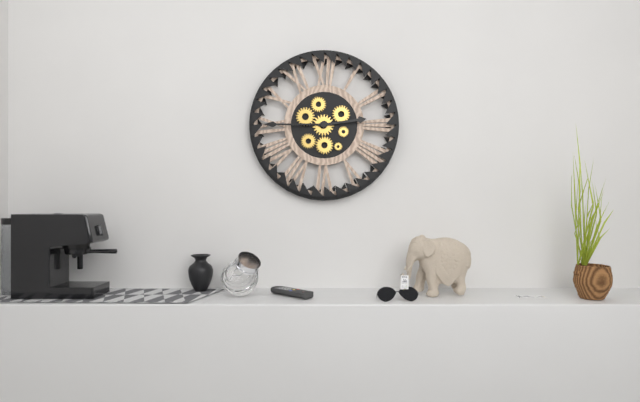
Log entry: 2:45
